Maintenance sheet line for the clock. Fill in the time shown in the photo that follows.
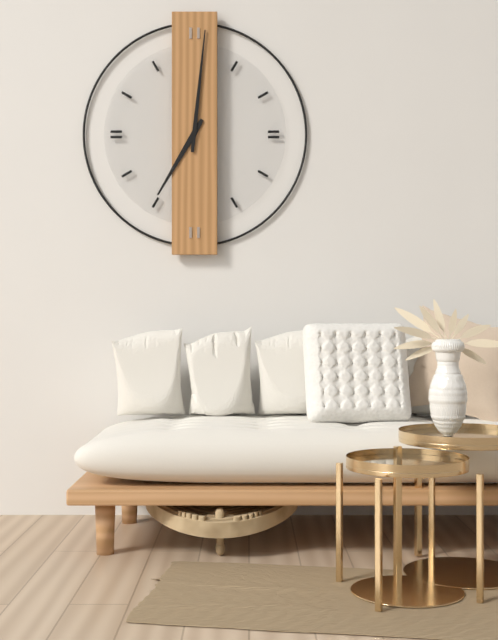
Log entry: 7:01
